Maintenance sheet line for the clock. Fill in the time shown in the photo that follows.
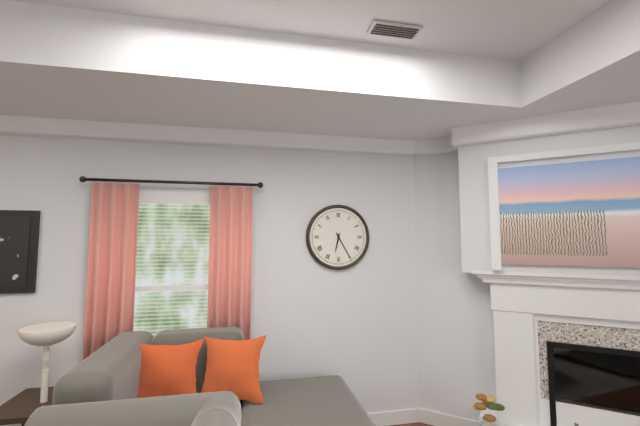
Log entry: 6:25
